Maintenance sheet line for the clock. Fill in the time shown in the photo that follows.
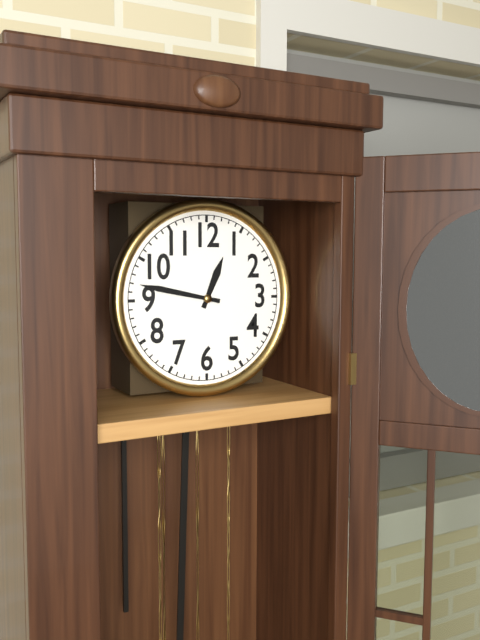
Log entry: 12:47
